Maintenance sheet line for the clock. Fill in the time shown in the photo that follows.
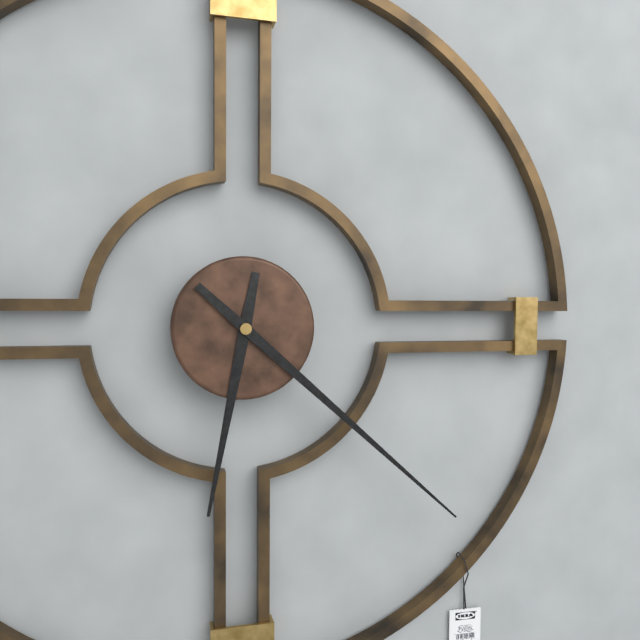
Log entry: 6:22
